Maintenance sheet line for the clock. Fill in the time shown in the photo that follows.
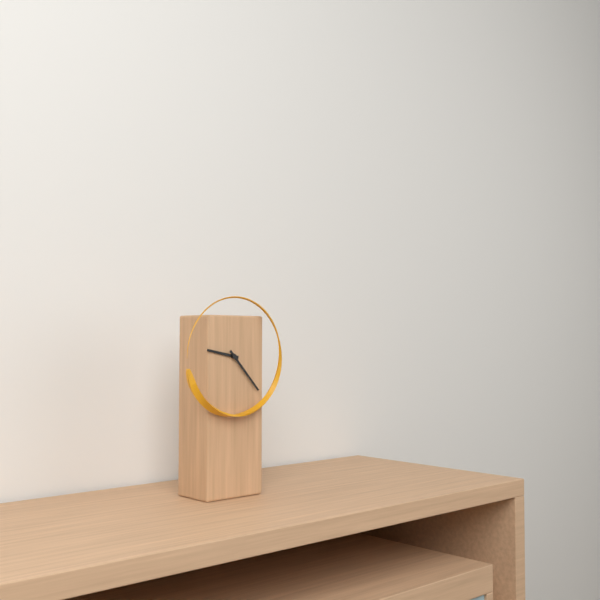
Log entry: 9:23
